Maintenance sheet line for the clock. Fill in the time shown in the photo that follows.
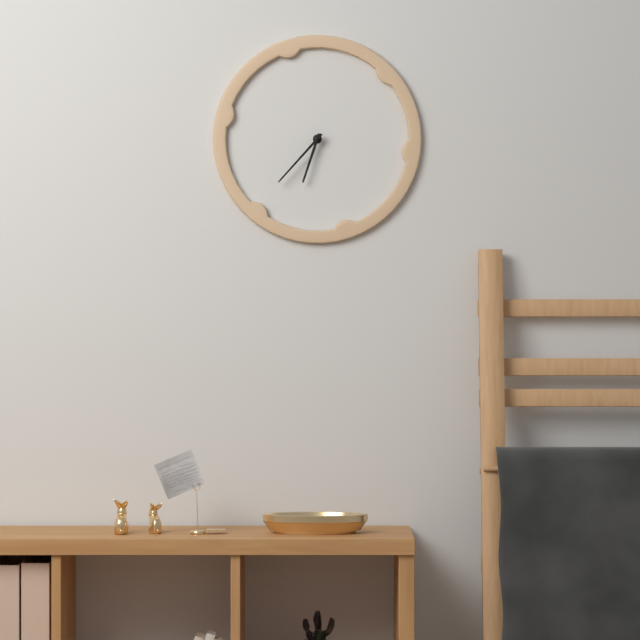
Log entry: 6:37
